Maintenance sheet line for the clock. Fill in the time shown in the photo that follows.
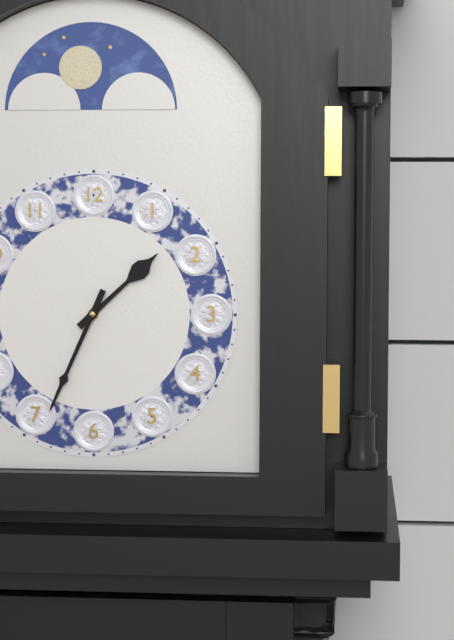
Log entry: 1:34
